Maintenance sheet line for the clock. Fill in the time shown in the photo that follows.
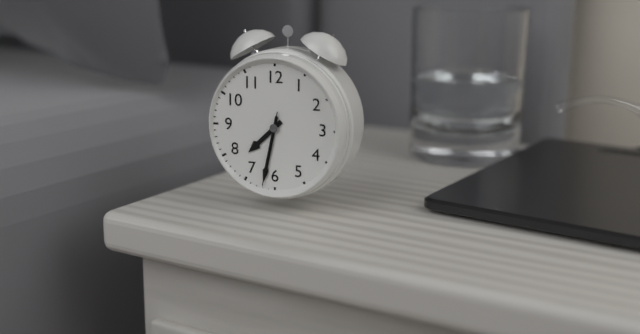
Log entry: 7:32:32
